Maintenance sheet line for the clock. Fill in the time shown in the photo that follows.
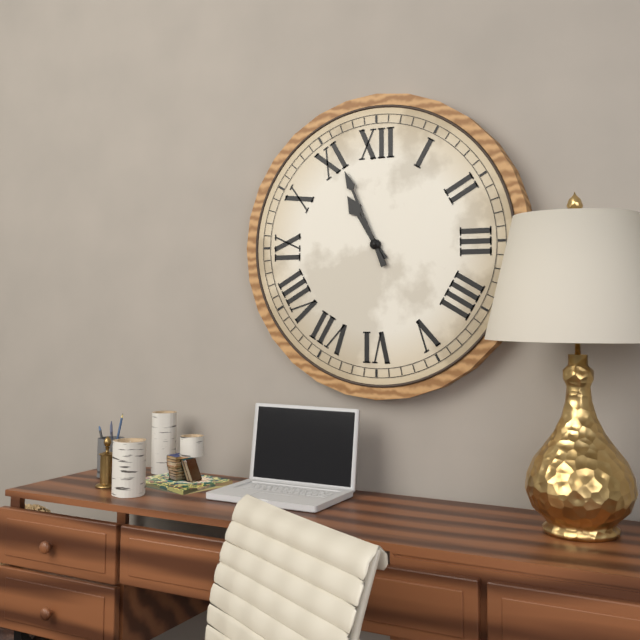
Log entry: 10:56
